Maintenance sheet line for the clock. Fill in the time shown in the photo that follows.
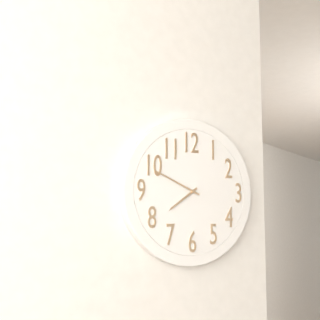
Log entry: 7:49
